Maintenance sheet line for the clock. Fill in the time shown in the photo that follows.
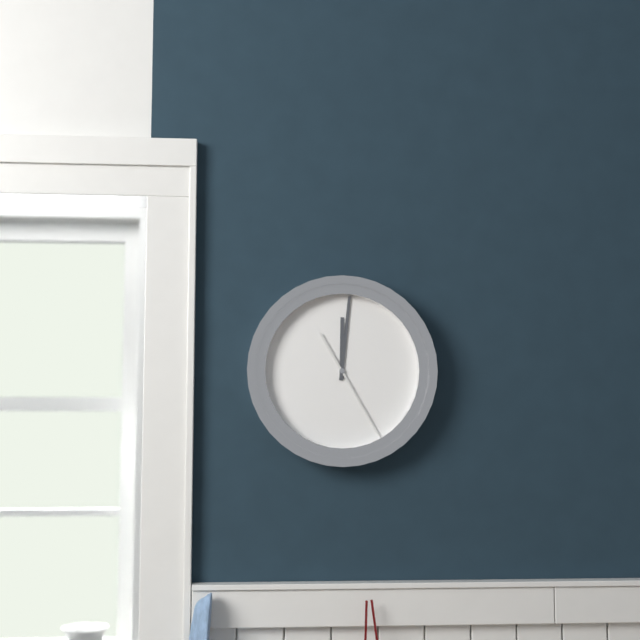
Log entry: 12:01:25
